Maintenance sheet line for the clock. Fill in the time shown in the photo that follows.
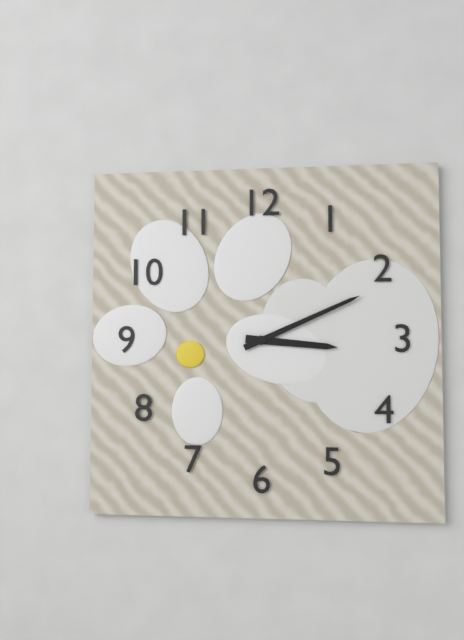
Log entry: 3:11
